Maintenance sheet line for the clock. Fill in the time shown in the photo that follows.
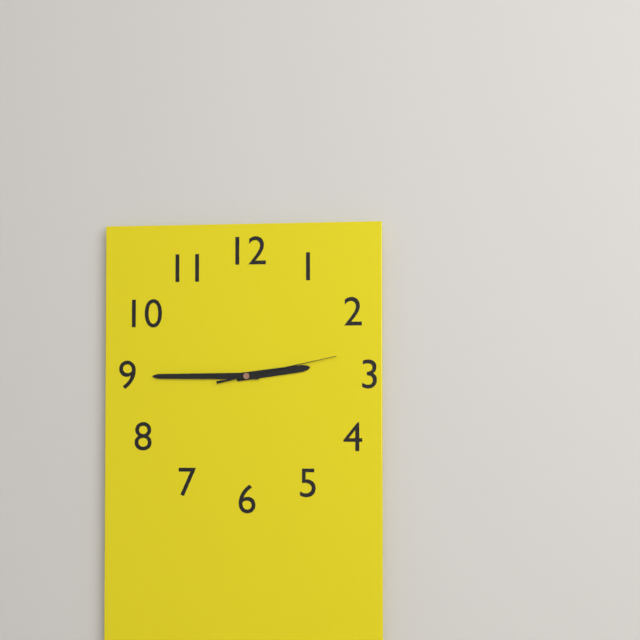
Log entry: 2:45:13
